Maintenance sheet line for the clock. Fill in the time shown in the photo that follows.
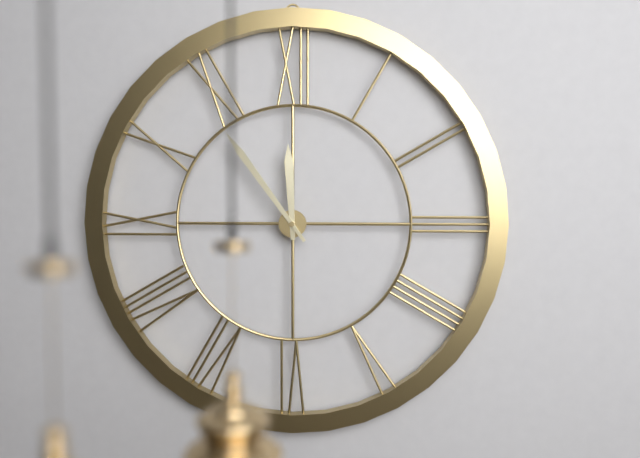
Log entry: 11:54
